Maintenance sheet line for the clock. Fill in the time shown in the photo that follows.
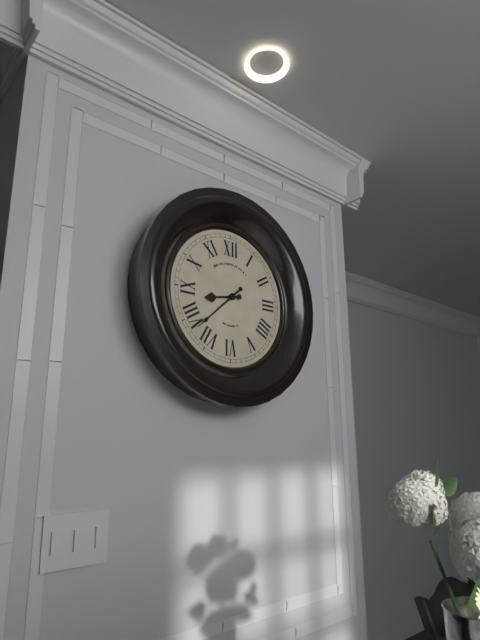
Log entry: 8:38
